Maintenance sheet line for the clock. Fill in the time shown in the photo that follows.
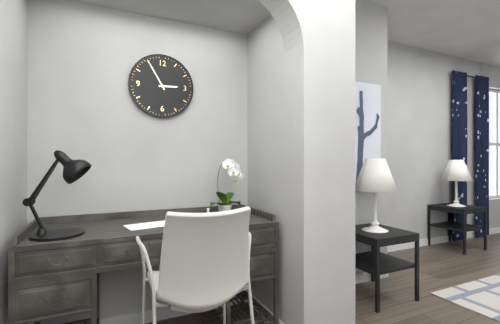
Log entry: 2:55
